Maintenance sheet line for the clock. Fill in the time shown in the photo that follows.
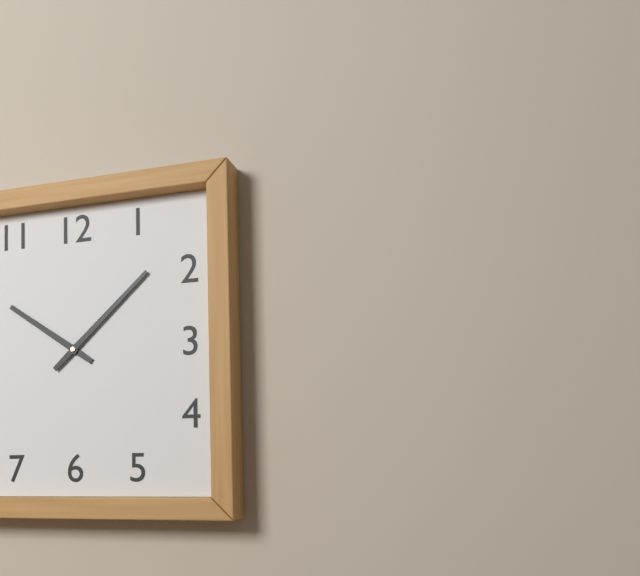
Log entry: 10:08
